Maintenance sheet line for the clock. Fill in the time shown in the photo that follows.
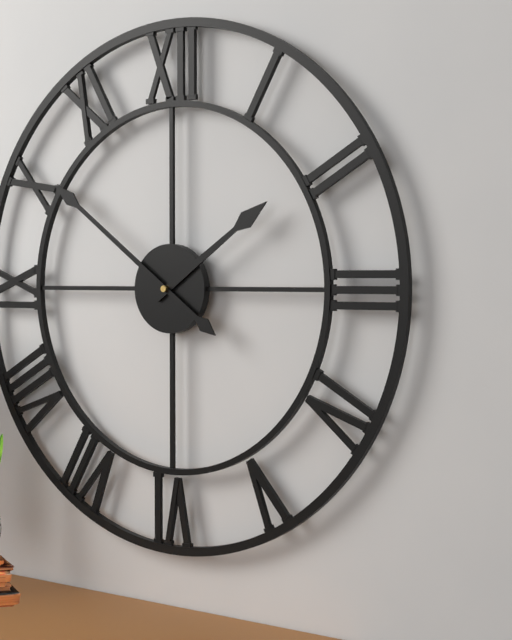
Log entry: 1:51
